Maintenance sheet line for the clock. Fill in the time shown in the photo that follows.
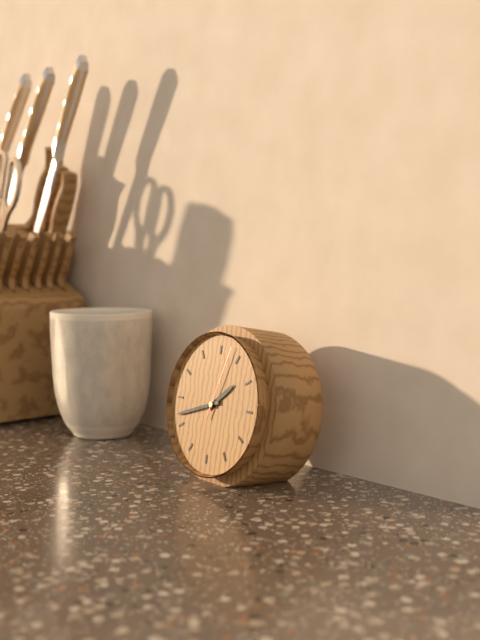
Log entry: 1:42:03
